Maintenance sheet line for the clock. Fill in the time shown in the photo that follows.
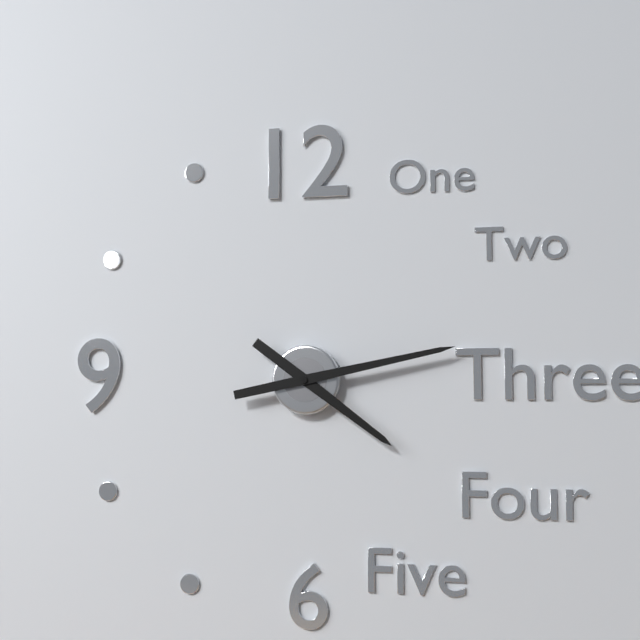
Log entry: 4:13
